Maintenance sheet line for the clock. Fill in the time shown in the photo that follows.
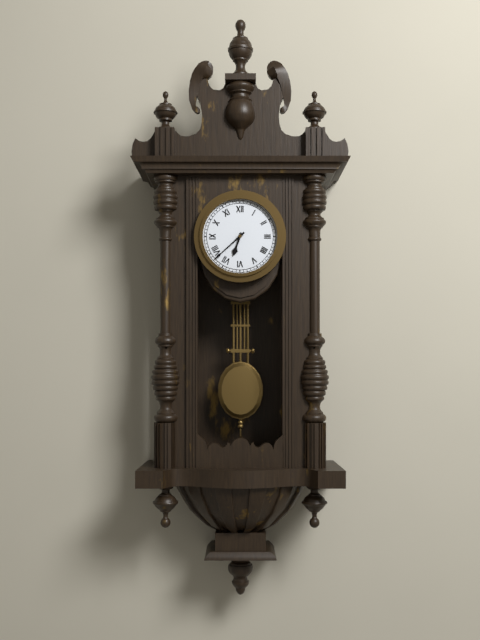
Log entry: 6:38
